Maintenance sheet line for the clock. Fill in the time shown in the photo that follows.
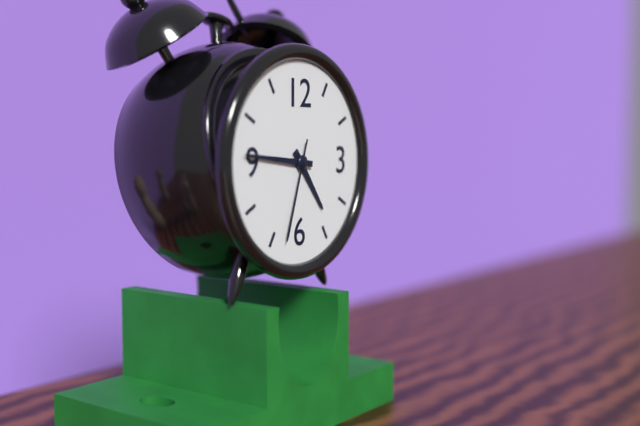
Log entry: 4:46:33
